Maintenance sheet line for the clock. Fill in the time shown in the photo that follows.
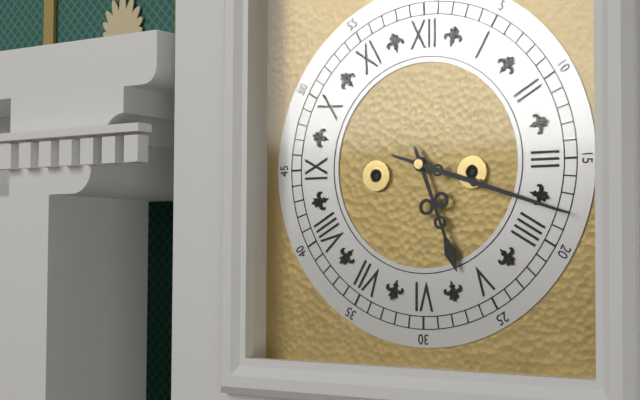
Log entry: 5:18
